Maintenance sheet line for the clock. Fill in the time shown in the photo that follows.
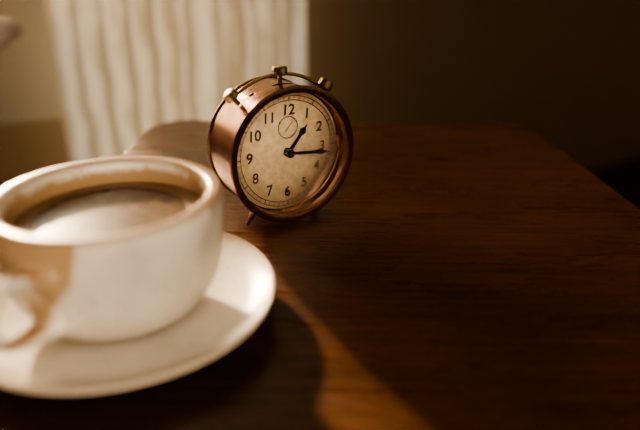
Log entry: 1:16:17
